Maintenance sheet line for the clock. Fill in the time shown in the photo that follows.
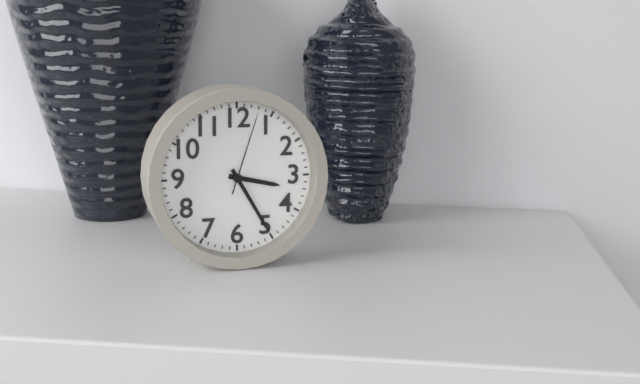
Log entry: 3:25:03
